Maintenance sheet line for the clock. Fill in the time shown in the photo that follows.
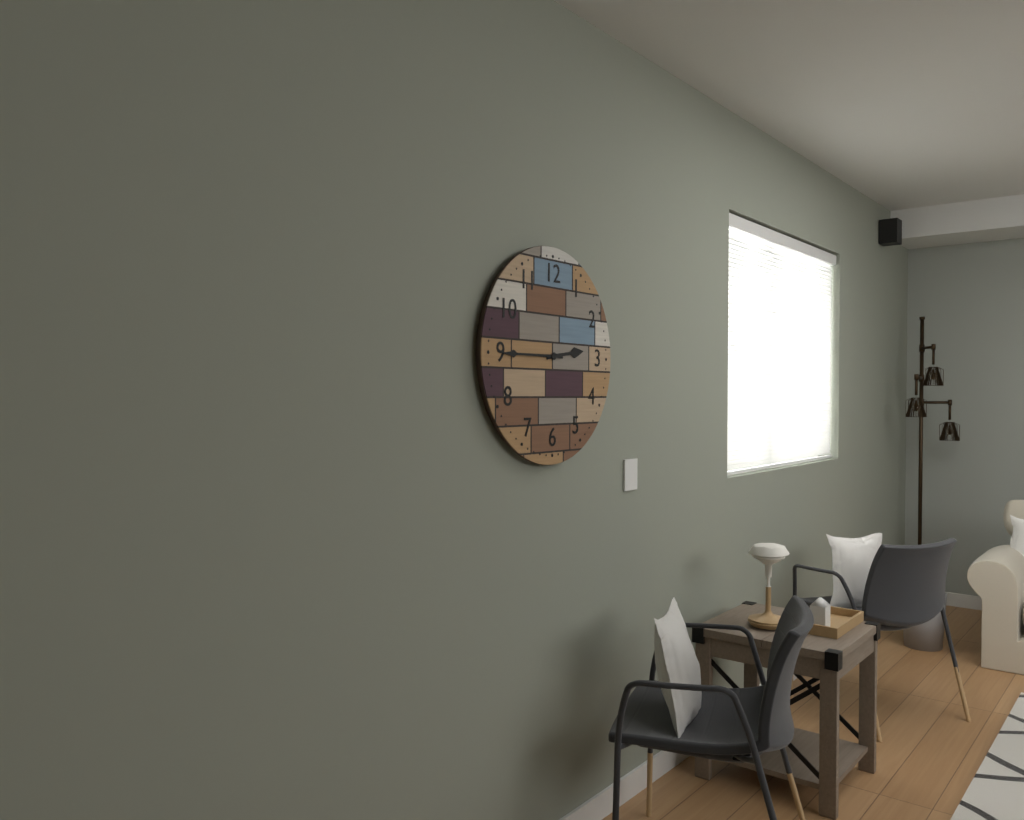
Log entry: 2:45
